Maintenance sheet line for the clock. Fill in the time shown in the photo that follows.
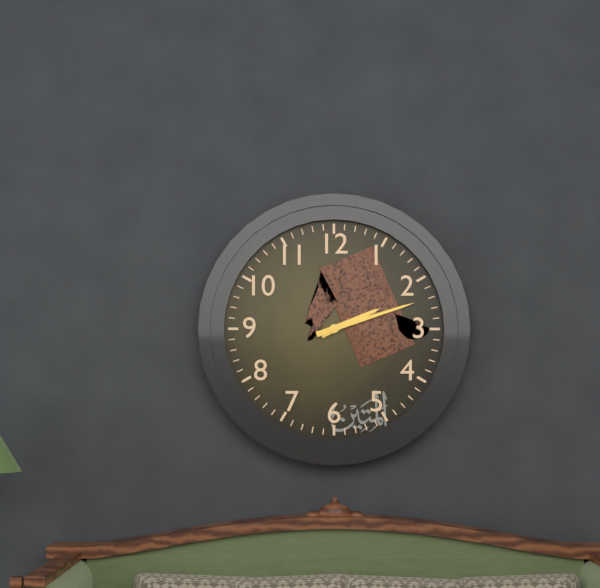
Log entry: 2:12
